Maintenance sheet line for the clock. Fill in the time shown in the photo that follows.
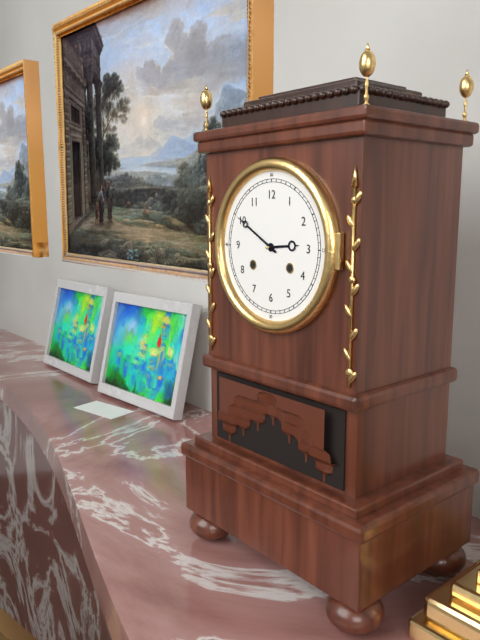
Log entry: 2:50
